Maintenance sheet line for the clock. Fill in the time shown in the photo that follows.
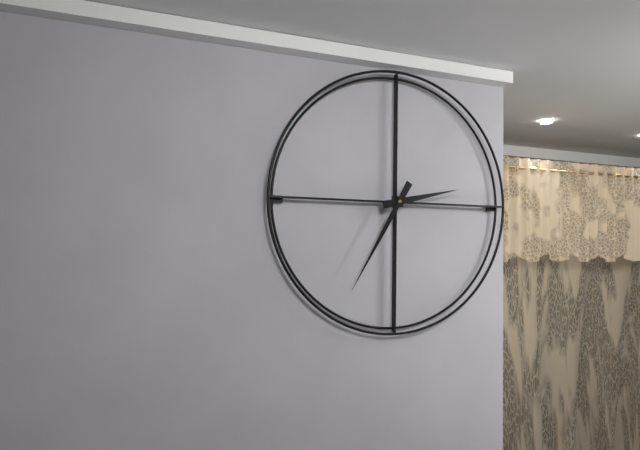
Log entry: 2:35
